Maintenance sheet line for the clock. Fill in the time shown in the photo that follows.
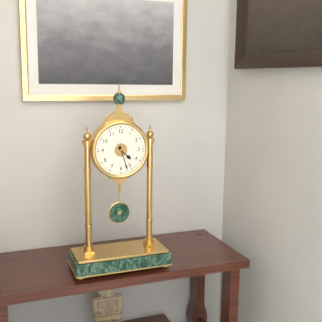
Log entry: 4:27
